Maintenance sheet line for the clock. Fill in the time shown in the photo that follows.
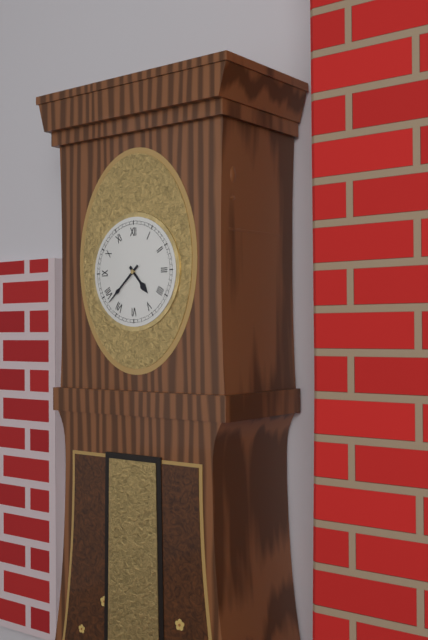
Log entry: 4:38
